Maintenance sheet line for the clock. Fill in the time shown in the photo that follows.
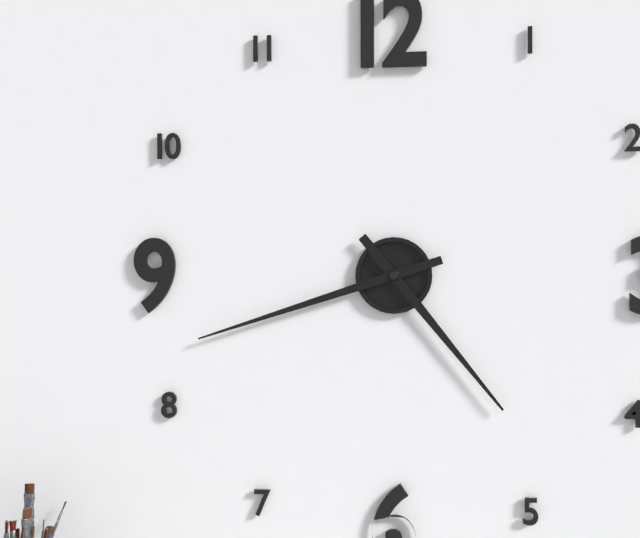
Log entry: 4:42
